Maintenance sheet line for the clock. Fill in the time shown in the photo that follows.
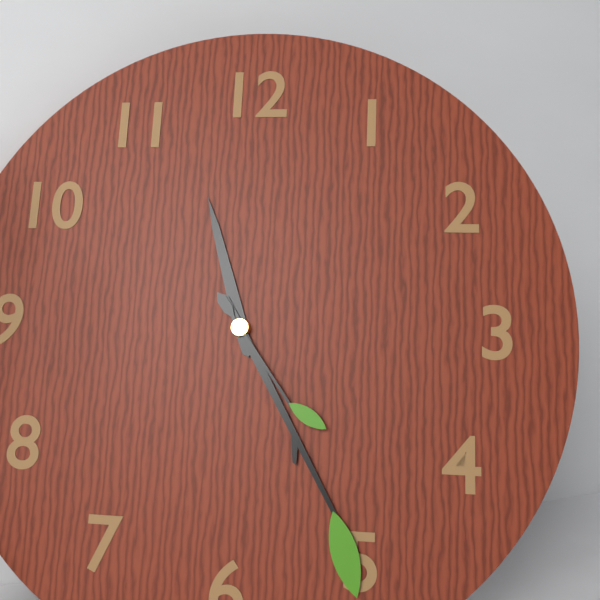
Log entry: 11:25:24
